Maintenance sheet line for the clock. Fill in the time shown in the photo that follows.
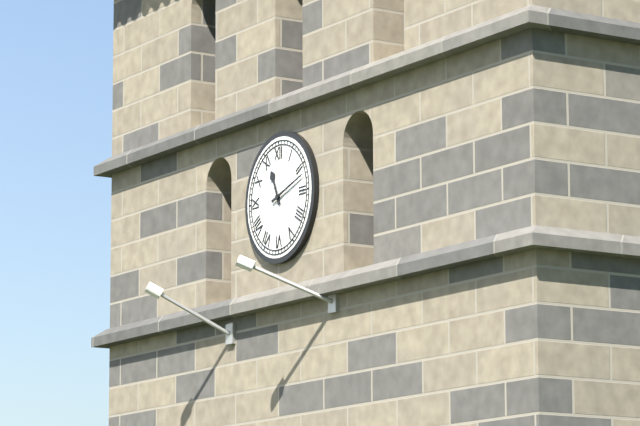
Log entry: 11:12
